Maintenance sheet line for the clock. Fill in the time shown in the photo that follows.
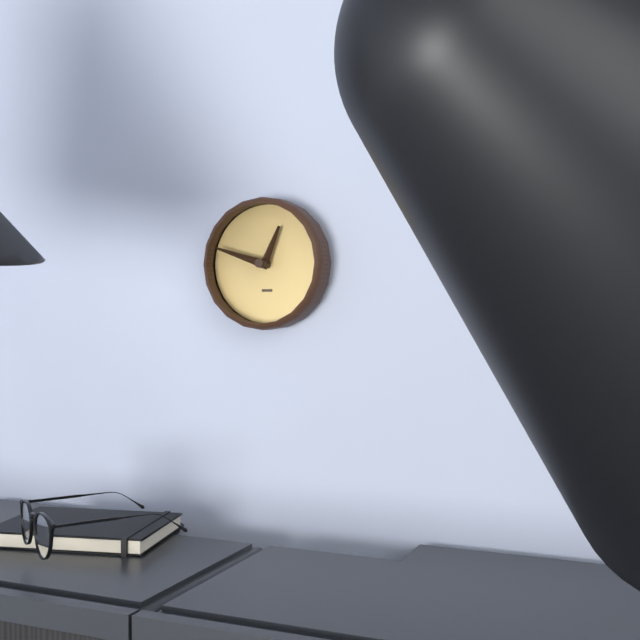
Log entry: 12:48
